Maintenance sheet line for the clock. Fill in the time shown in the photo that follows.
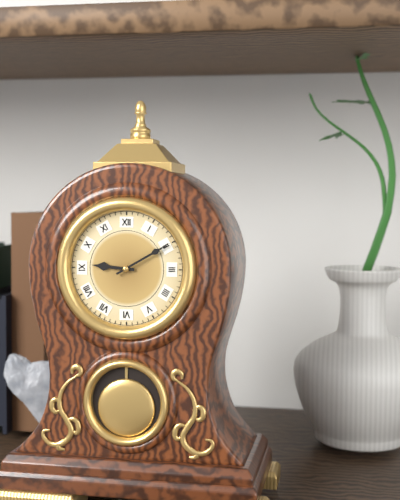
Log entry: 9:10
